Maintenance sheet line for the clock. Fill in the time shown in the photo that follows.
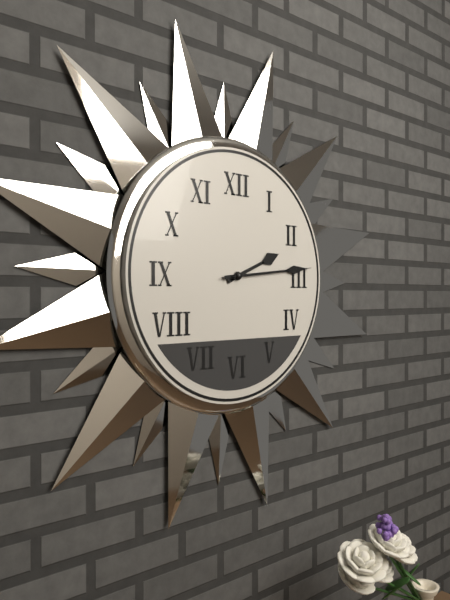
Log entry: 2:14:14
